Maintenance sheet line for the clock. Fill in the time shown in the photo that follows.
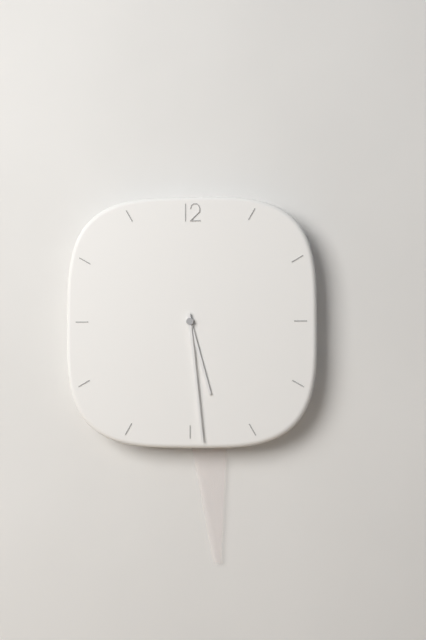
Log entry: 5:29
